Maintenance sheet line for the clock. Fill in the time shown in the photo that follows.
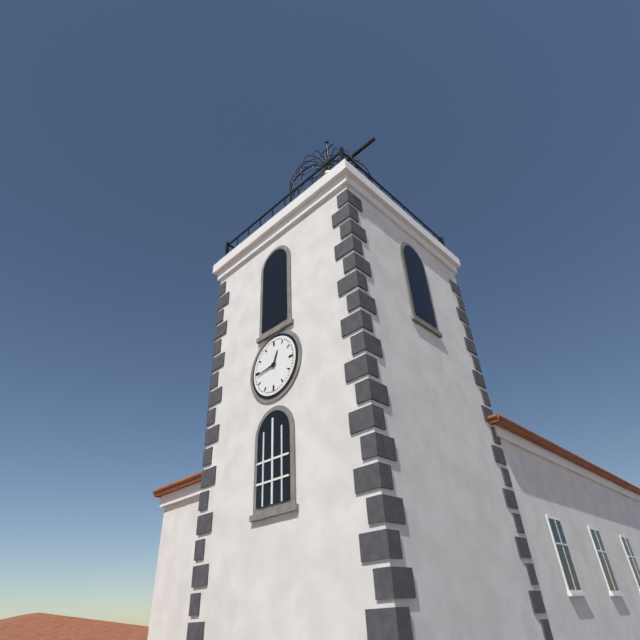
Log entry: 12:44
